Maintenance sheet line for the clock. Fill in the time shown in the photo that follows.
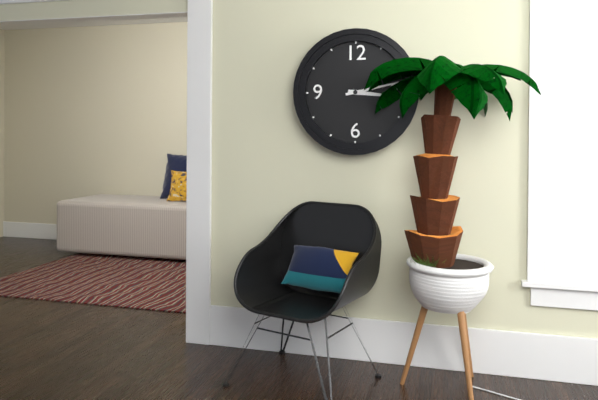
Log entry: 3:13
